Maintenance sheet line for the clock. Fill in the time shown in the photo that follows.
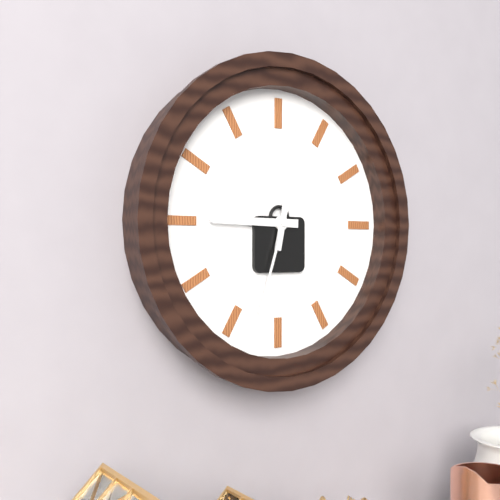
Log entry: 9:02:33
